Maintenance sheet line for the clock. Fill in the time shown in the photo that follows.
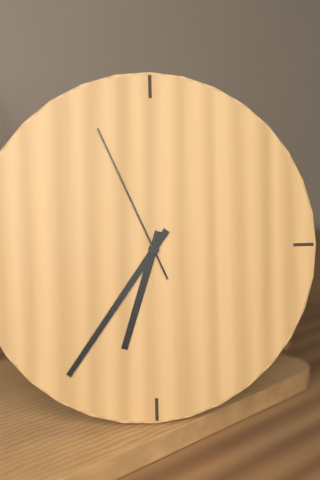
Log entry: 6:36:56
